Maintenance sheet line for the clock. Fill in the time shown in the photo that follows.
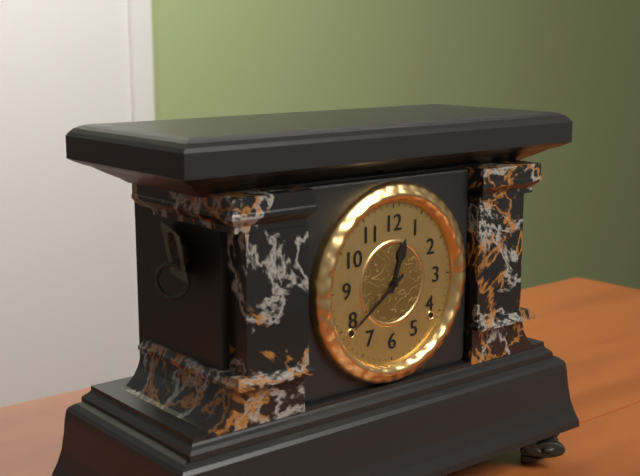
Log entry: 12:39
